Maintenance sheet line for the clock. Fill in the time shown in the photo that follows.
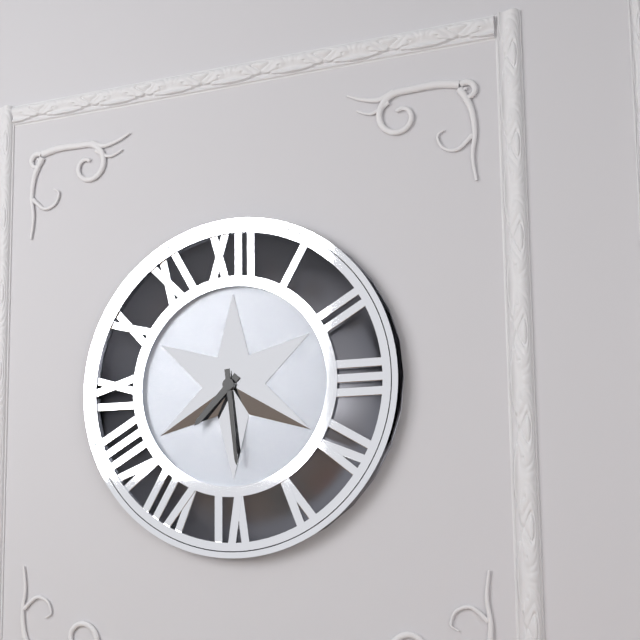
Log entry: 7:29
